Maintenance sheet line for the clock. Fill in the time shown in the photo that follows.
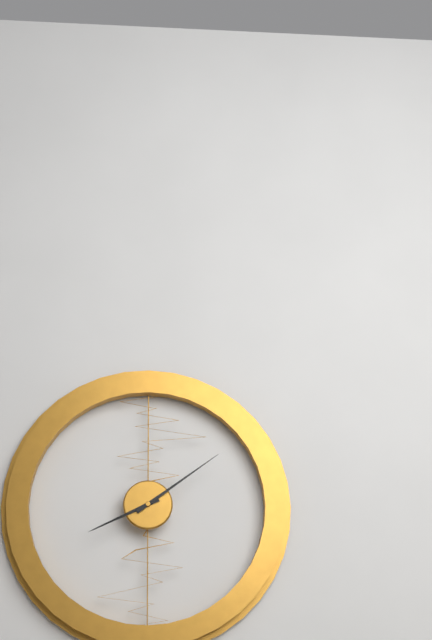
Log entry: 8:09
